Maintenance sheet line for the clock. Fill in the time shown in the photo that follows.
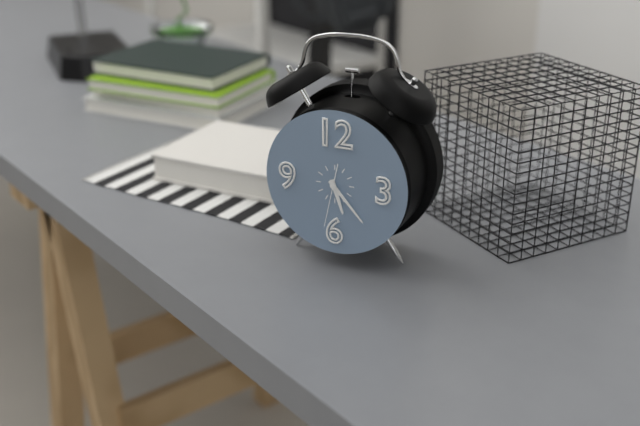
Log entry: 5:23:32
